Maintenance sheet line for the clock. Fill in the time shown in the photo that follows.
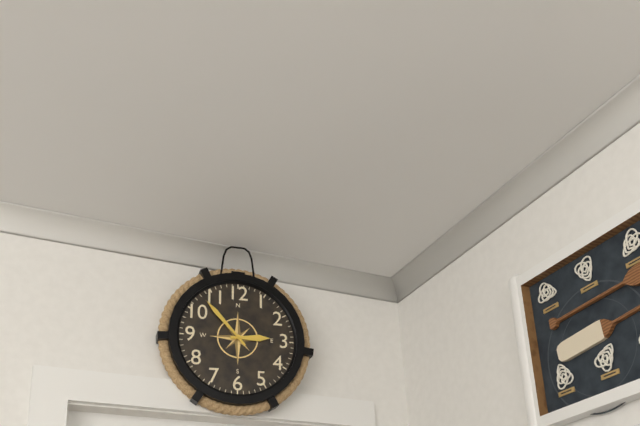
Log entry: 2:53
